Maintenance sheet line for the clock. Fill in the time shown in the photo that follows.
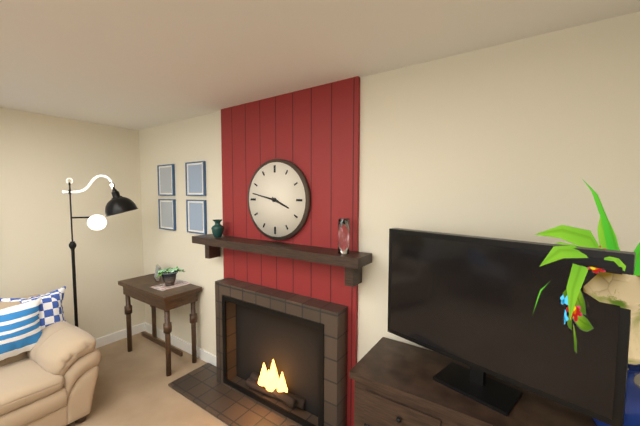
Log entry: 3:47
